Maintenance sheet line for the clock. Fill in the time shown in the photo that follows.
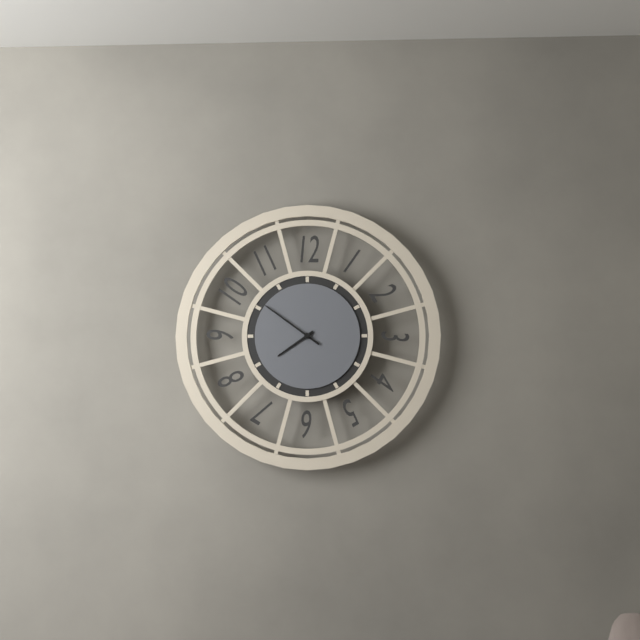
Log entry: 7:51
